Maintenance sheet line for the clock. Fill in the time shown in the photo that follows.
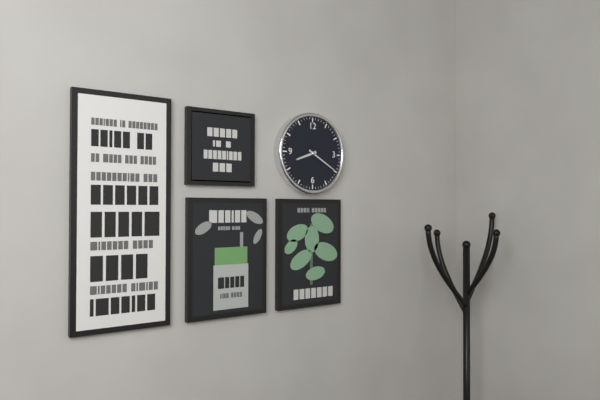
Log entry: 8:20
